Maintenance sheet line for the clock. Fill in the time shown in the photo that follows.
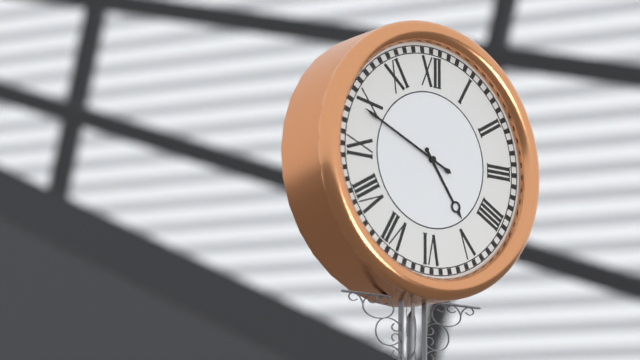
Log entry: 4:49
